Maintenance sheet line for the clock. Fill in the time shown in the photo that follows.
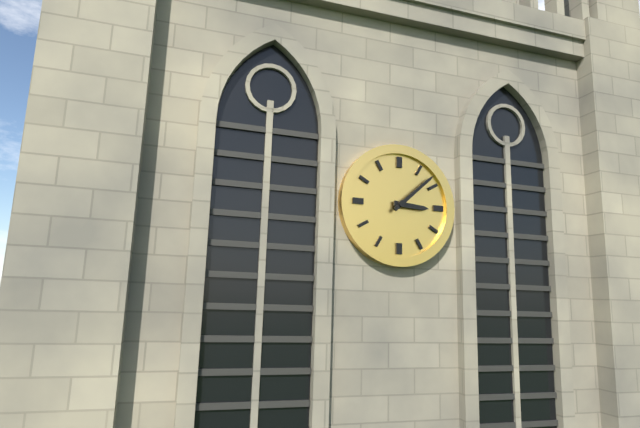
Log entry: 3:08
